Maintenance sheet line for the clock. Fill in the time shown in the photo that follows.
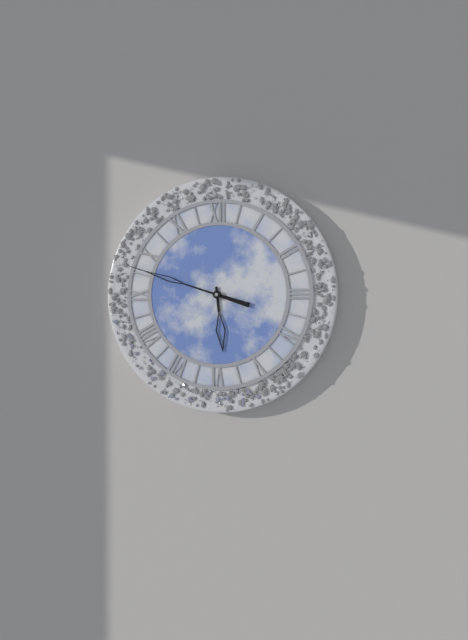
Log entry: 5:48
